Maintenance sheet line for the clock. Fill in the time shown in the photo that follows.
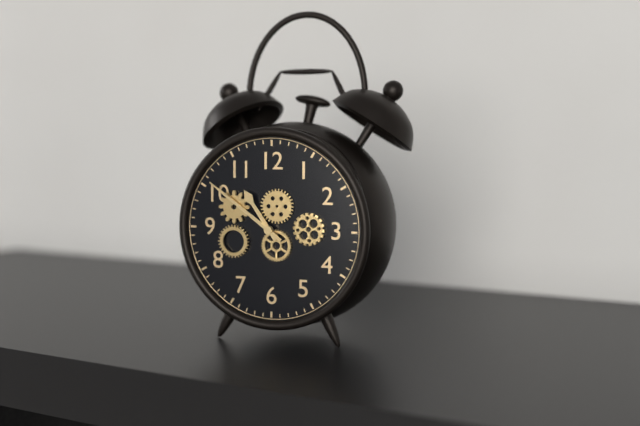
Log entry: 10:51
